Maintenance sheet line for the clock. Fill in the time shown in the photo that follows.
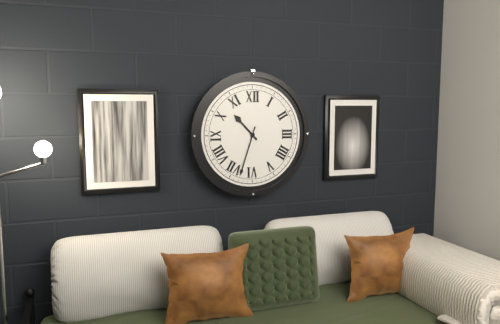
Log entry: 10:33
